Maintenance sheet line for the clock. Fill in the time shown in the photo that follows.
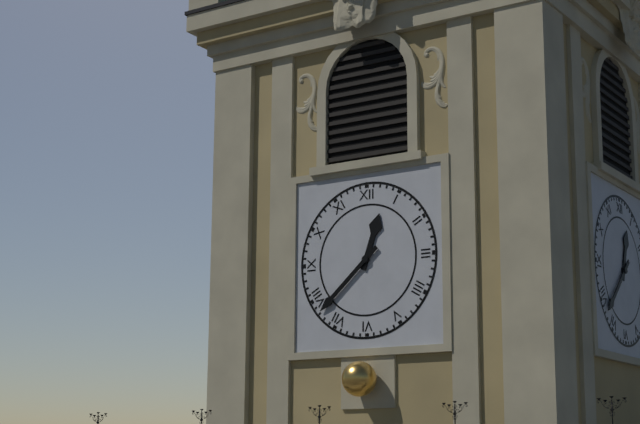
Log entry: 12:38
